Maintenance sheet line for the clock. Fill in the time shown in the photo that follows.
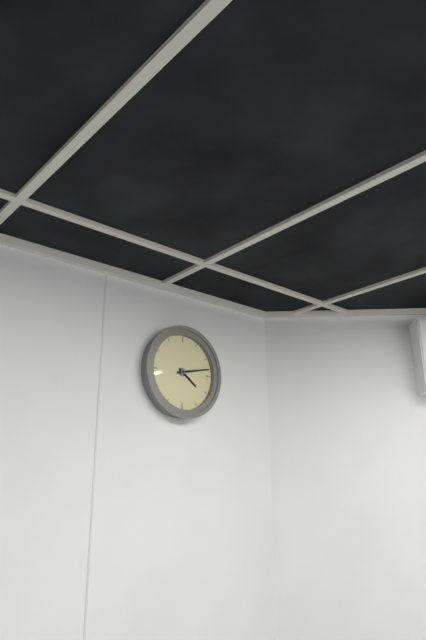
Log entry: 4:13
